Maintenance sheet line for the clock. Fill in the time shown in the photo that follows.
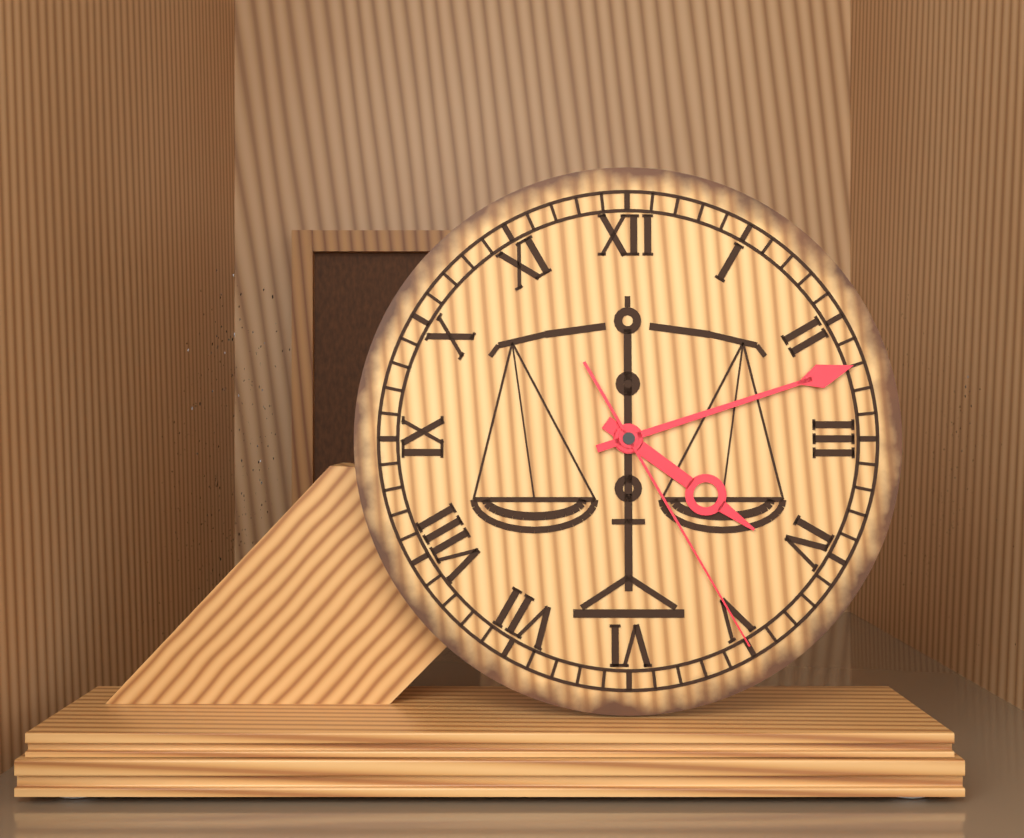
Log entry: 4:12:25
